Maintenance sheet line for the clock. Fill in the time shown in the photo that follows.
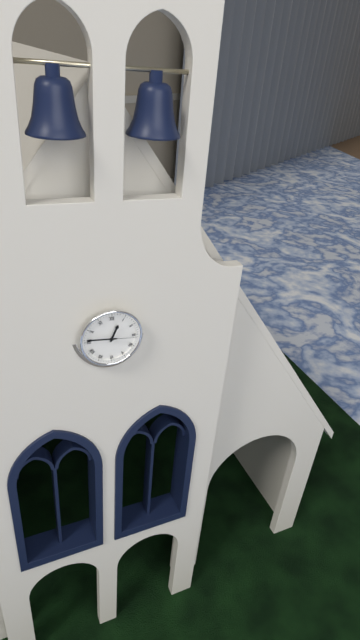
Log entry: 12:46
